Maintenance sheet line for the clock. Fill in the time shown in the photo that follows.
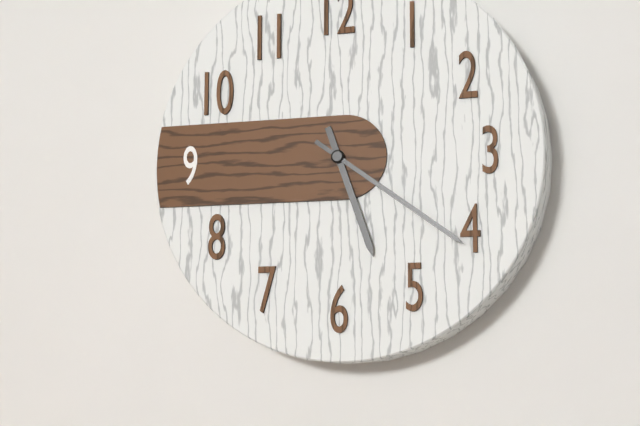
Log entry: 5:21
